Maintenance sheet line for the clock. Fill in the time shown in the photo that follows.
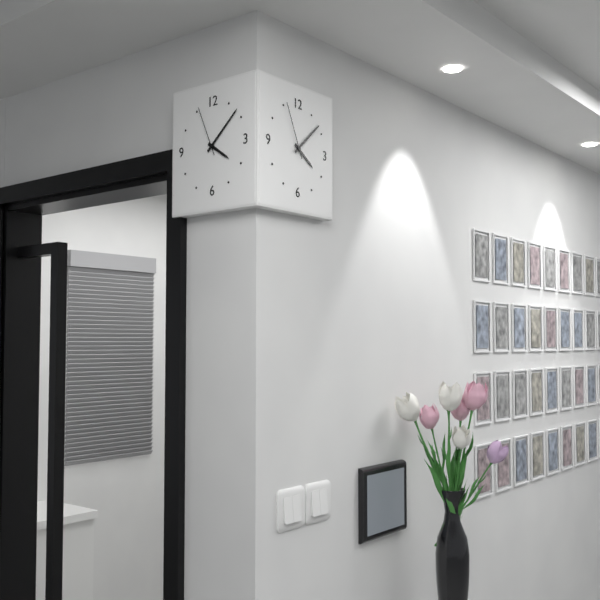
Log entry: 4:08:56
